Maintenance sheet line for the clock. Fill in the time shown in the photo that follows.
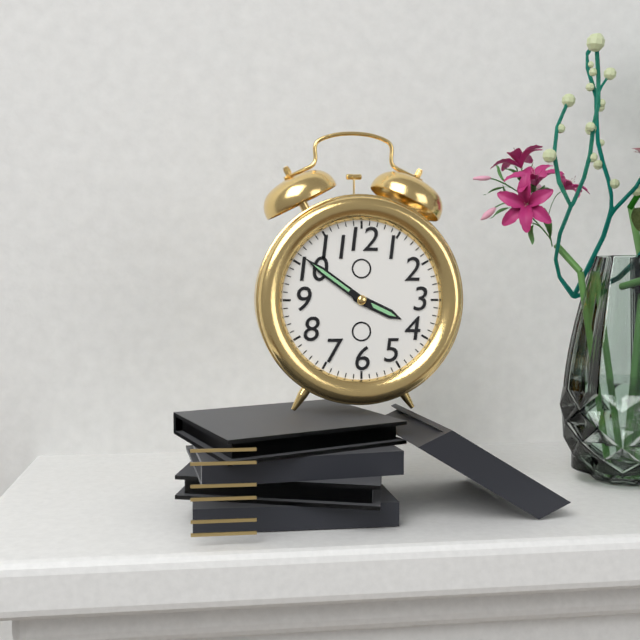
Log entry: 3:51
